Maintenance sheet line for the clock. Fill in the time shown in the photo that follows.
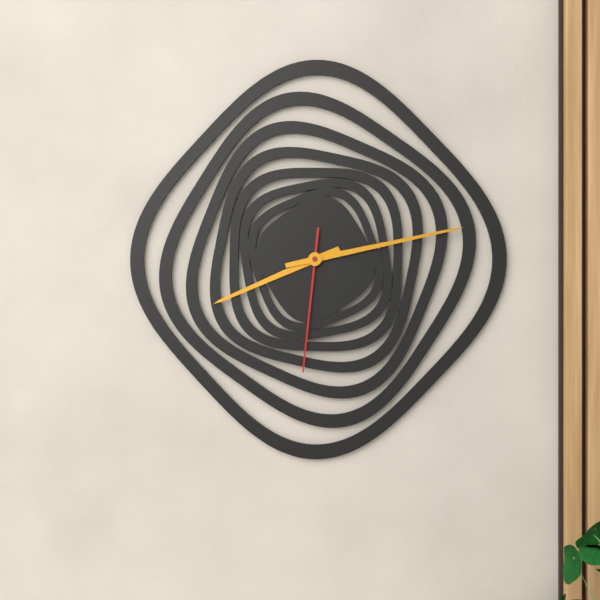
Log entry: 8:13:31
